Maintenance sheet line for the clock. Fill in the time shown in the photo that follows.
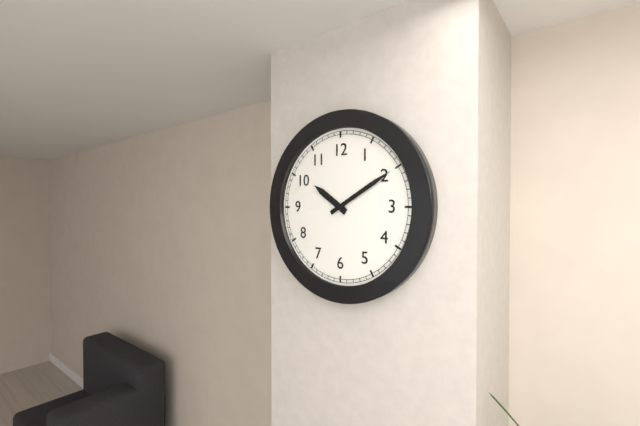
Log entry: 10:10
